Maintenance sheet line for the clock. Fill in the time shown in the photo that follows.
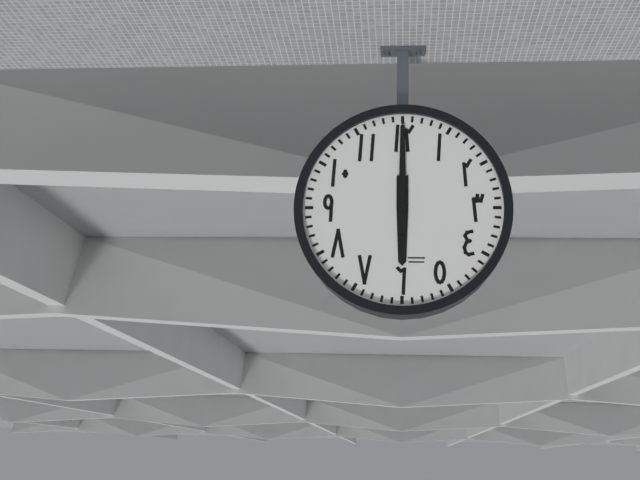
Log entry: 6:00
